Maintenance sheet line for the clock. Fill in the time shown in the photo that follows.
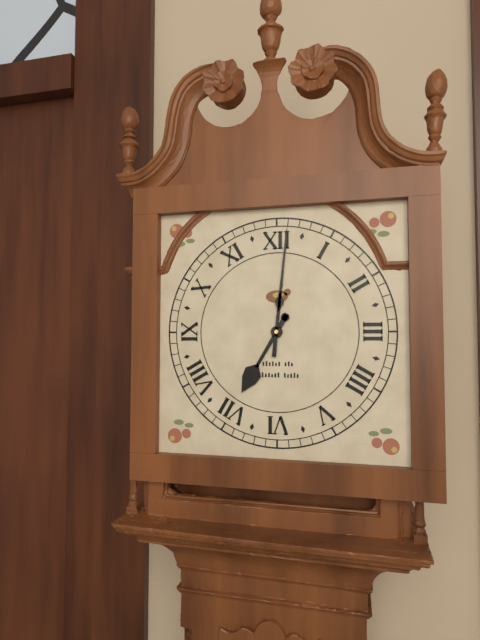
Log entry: 7:01
